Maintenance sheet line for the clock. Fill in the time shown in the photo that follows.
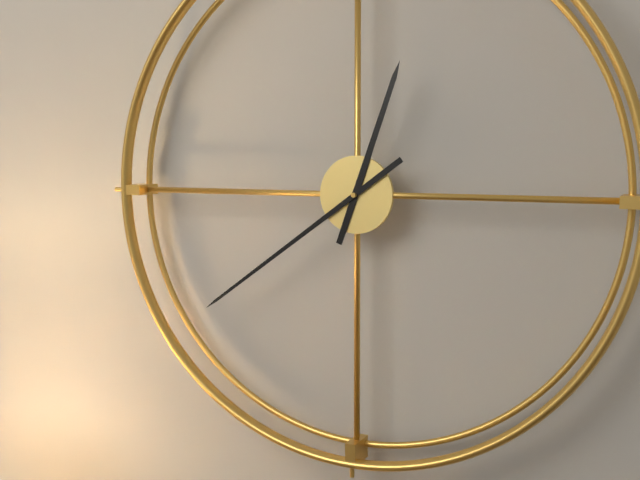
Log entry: 12:39
